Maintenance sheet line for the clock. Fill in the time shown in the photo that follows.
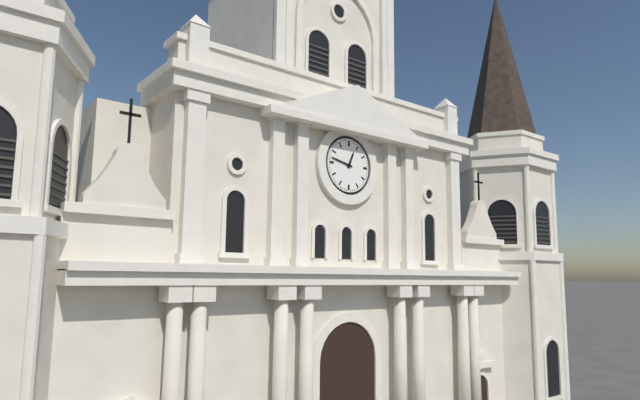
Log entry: 12:47
